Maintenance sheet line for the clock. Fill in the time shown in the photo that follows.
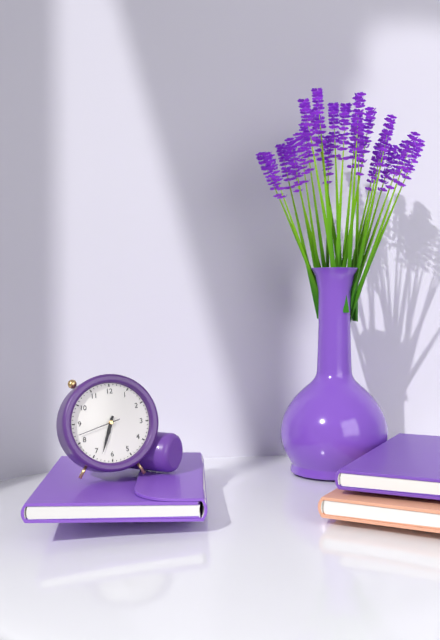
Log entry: 6:33
